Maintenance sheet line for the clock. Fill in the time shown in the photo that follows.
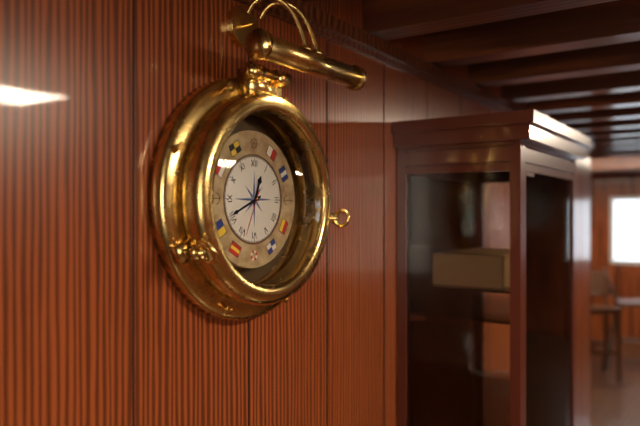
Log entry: 12:41
